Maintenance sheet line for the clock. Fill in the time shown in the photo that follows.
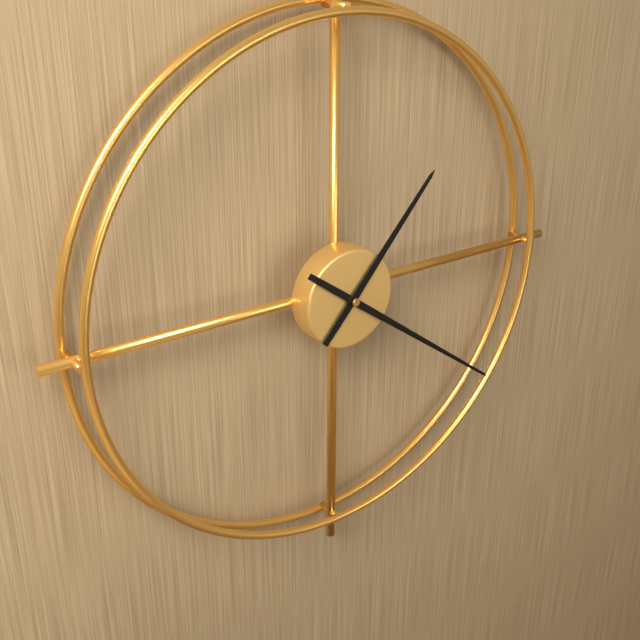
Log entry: 1:21
